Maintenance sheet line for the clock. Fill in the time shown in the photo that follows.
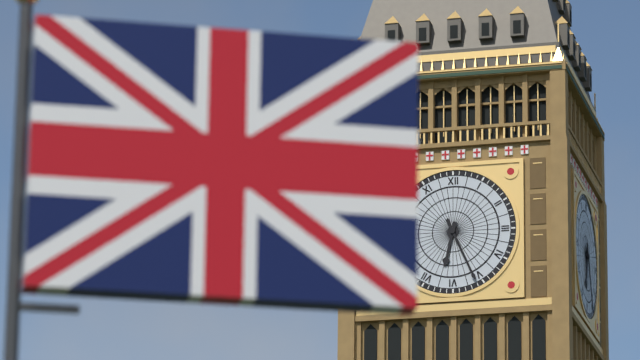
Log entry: 6:26
